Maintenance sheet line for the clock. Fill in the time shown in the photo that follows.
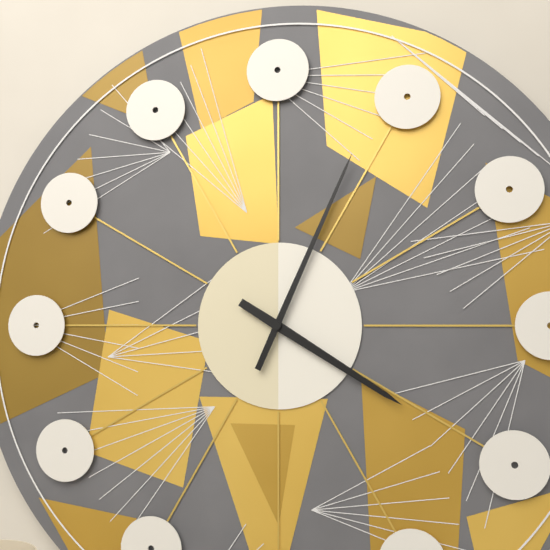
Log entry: 4:04
